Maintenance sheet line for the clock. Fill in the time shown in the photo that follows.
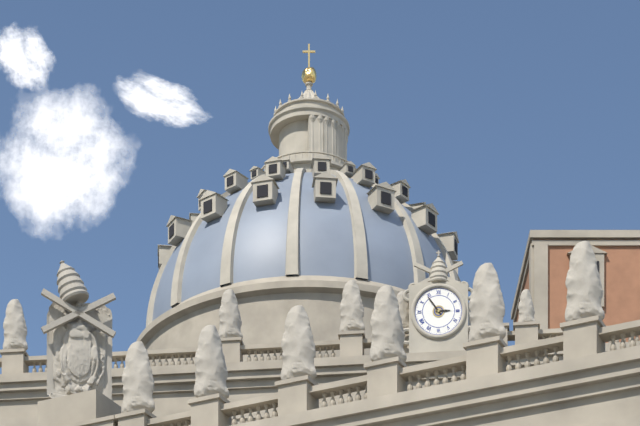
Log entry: 2:54
